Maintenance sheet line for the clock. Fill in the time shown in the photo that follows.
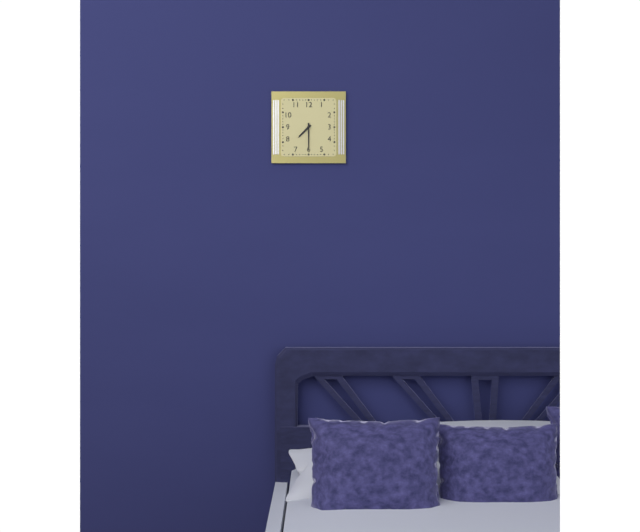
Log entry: 7:30
